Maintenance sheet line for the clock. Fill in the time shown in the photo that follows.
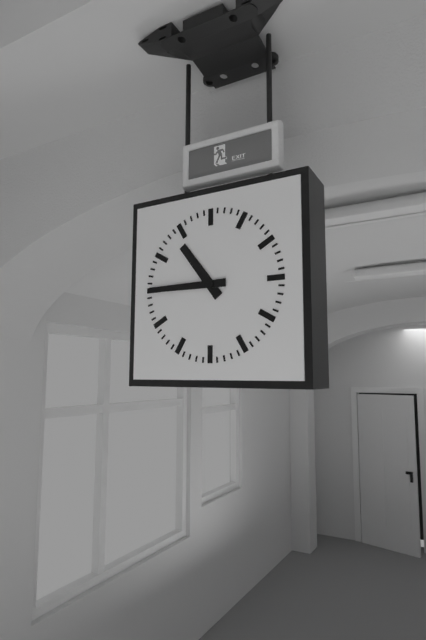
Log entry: 10:45
